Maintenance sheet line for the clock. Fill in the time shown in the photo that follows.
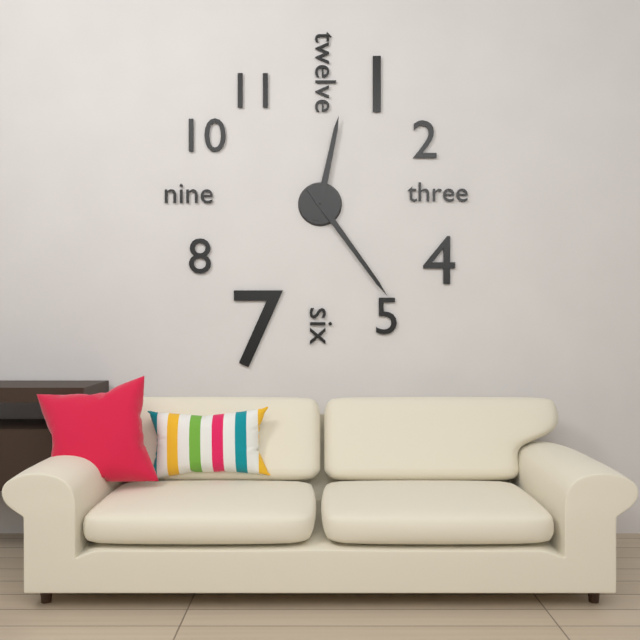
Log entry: 12:24
